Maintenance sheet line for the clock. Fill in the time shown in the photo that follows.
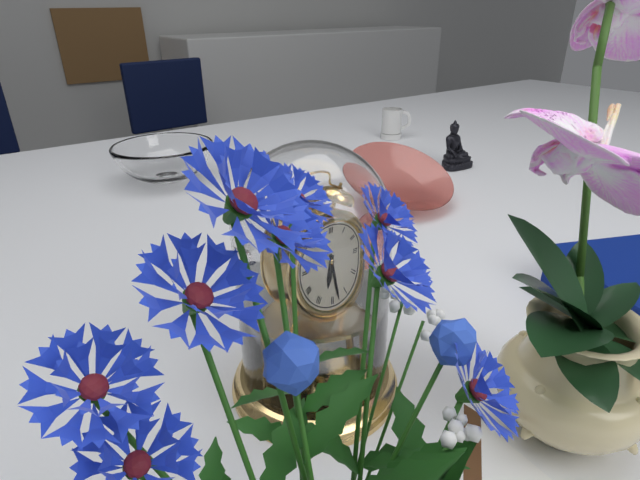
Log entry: 6:28
